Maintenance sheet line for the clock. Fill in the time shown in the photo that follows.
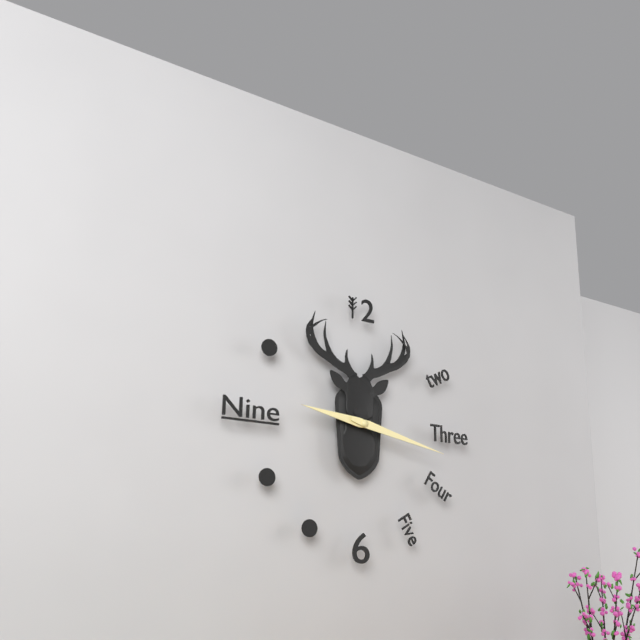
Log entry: 9:17
